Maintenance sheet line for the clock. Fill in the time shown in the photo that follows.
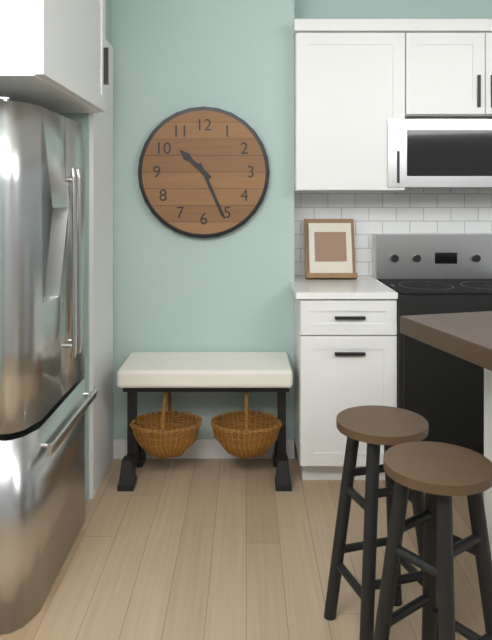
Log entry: 10:26
